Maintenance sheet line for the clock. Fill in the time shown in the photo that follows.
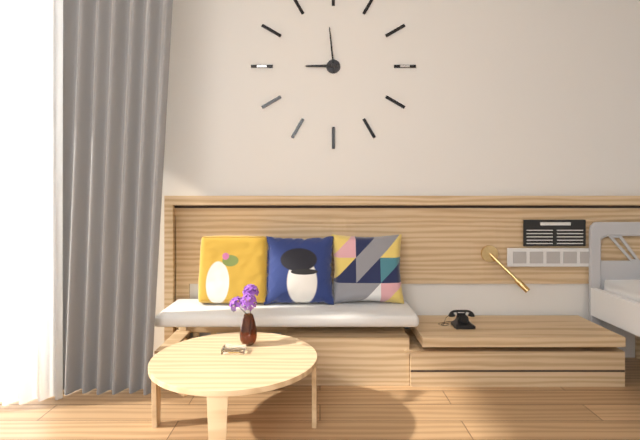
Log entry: 8:59
